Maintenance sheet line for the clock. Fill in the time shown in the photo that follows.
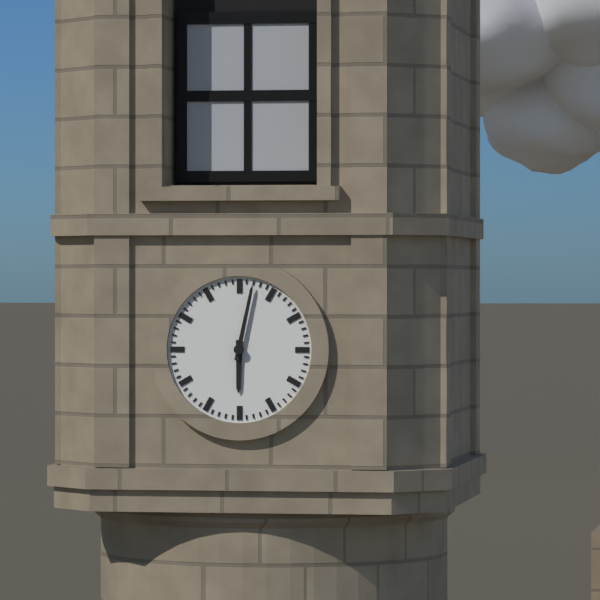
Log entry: 6:02
